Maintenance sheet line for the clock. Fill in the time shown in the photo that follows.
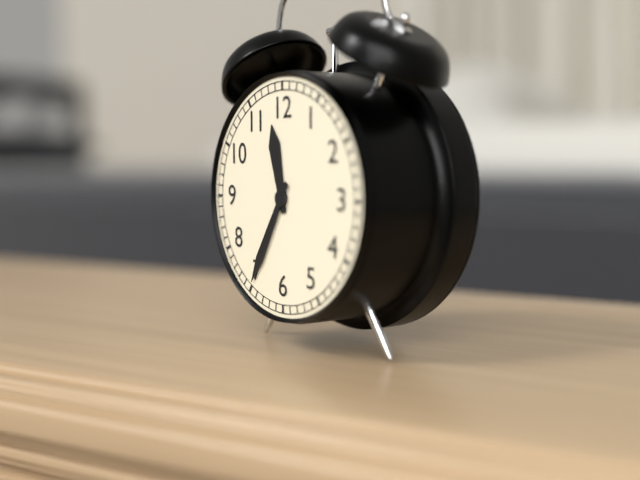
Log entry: 11:35
